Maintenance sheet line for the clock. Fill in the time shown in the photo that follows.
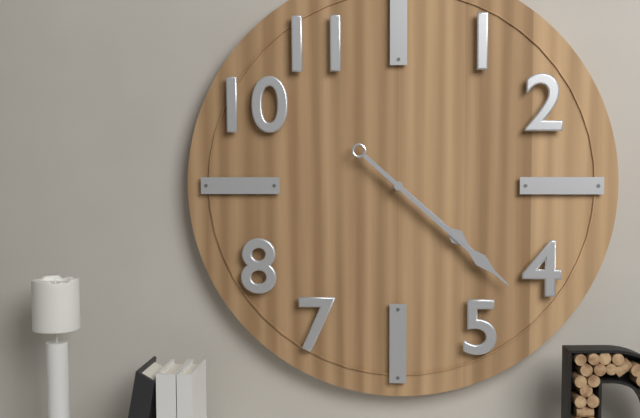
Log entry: 4:22
